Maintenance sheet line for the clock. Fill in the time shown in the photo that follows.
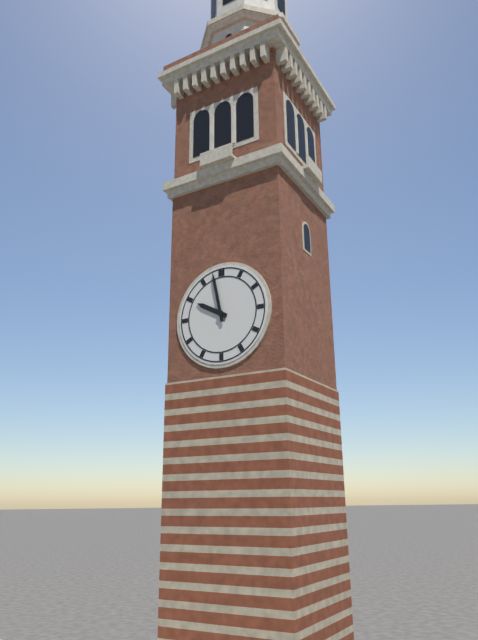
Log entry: 9:58
